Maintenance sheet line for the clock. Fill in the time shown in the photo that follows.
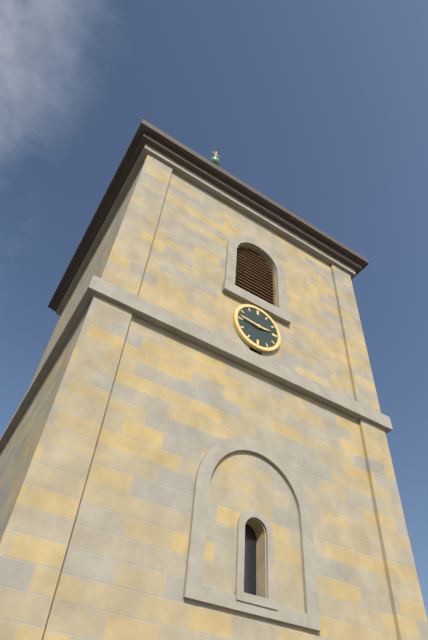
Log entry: 2:46
